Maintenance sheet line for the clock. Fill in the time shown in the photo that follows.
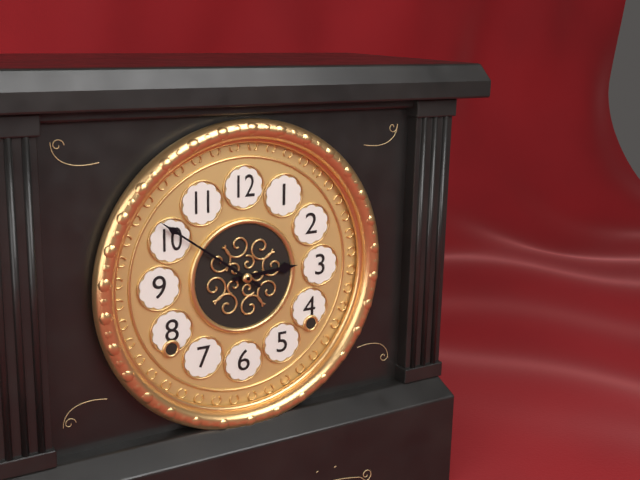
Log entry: 2:51
